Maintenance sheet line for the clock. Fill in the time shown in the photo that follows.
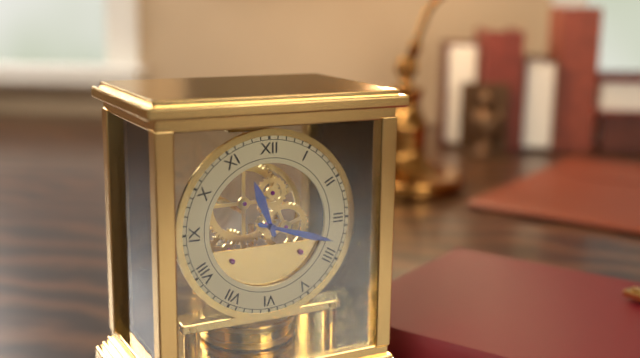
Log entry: 11:18
